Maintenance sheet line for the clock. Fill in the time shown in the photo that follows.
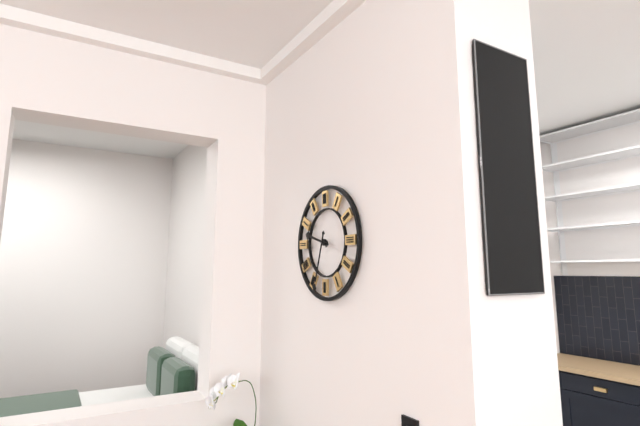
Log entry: 9:33
